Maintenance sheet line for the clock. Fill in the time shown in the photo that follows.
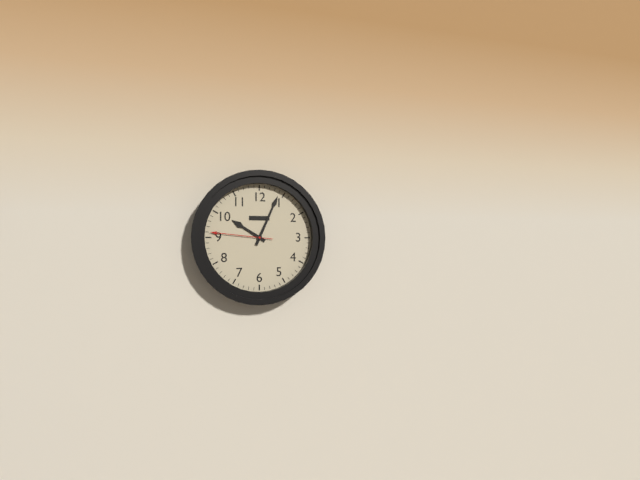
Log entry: 10:04:46
